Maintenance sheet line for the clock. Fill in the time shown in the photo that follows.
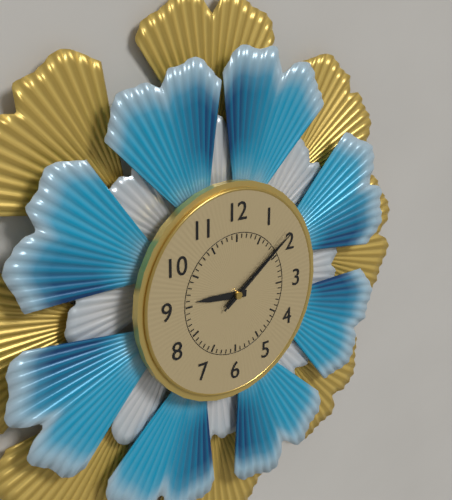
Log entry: 9:09:09
